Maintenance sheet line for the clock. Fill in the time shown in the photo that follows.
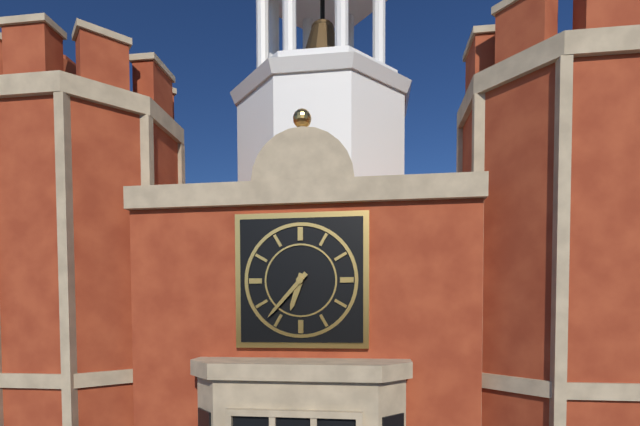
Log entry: 6:37
